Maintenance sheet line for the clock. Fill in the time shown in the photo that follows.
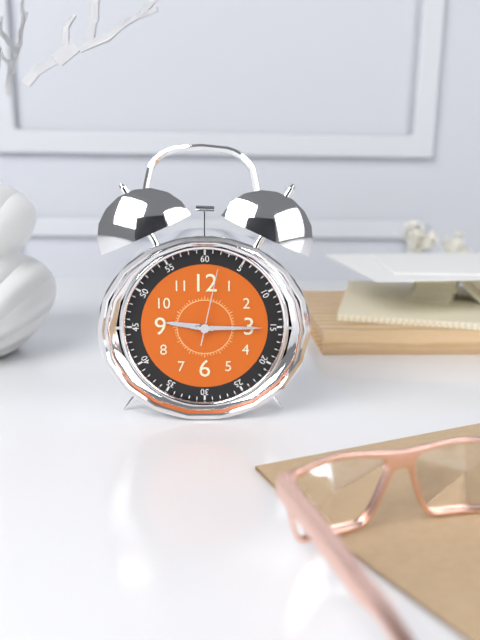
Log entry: 9:15:02
